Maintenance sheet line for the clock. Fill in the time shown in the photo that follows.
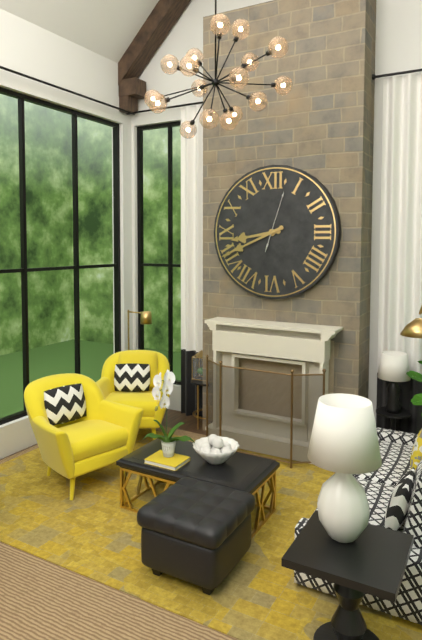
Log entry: 8:41:03
